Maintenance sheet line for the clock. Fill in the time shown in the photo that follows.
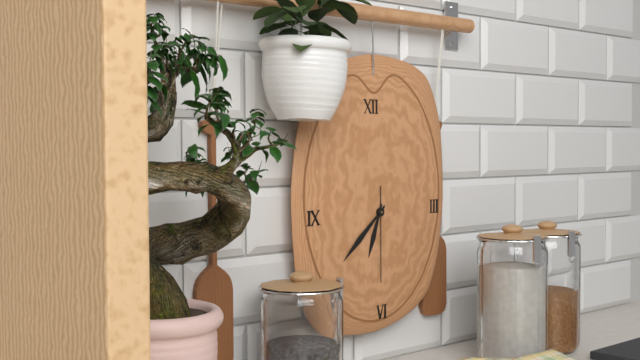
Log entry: 6:38:30
